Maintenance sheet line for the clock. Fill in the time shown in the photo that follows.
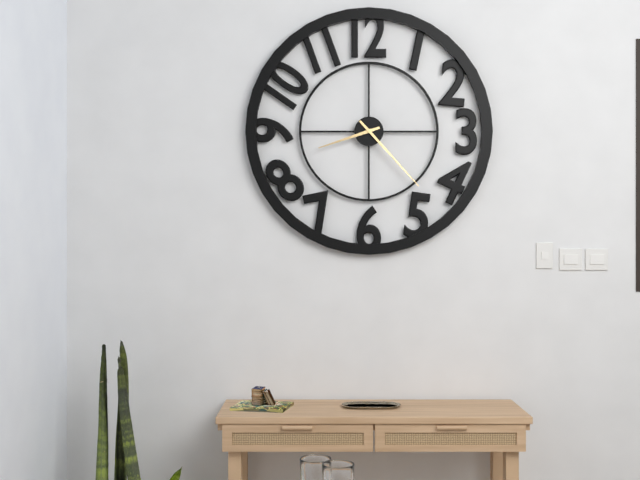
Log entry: 8:23
